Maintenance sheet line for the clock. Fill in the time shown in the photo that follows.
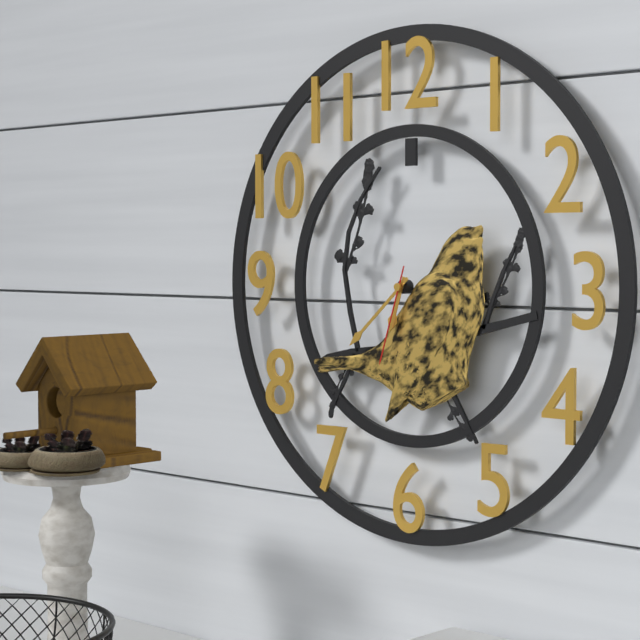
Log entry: 6:38:33
